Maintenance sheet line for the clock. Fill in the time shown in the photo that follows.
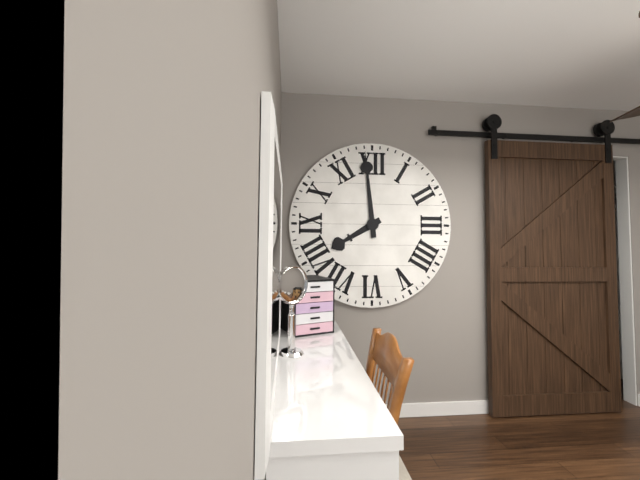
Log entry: 7:59
